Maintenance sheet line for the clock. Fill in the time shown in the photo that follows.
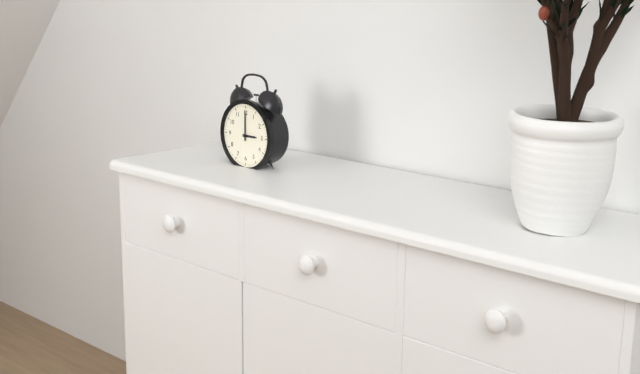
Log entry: 3:00
